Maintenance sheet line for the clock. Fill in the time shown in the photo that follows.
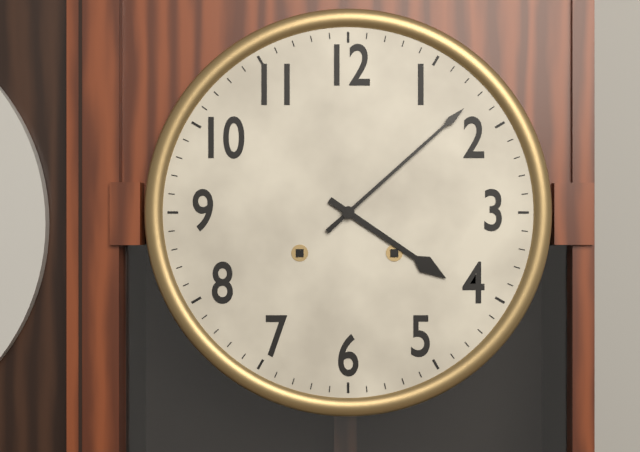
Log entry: 4:08
